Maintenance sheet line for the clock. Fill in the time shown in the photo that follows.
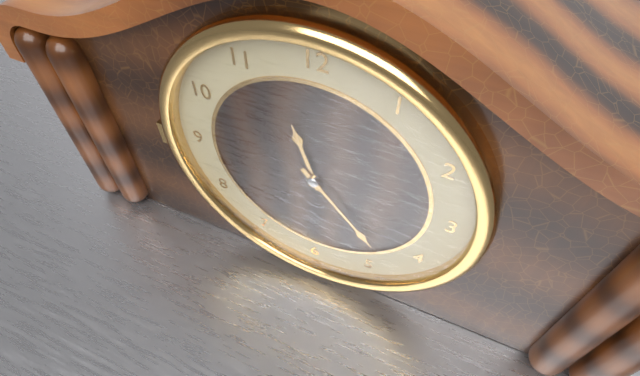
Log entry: 11:23
